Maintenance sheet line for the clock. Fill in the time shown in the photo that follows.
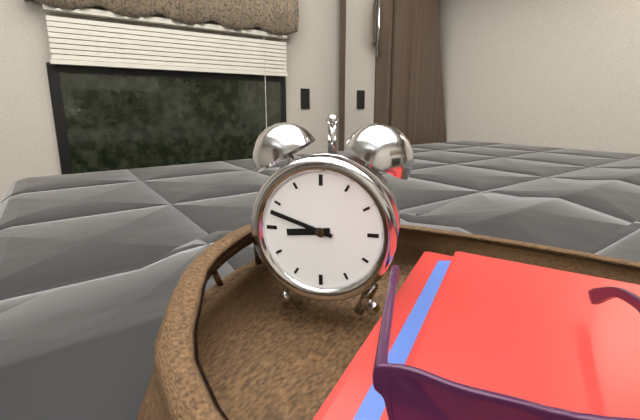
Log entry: 8:48
